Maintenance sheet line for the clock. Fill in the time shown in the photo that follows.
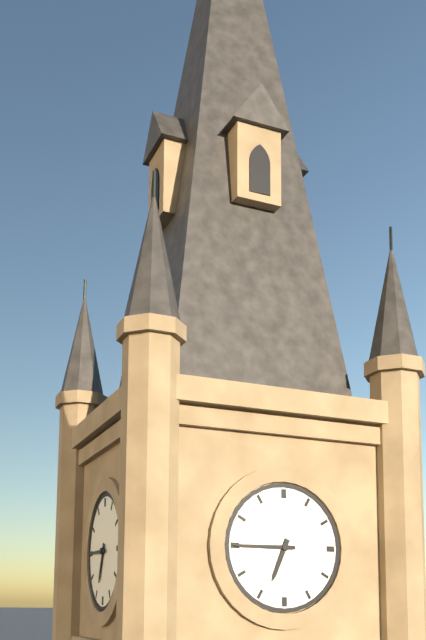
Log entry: 6:45
